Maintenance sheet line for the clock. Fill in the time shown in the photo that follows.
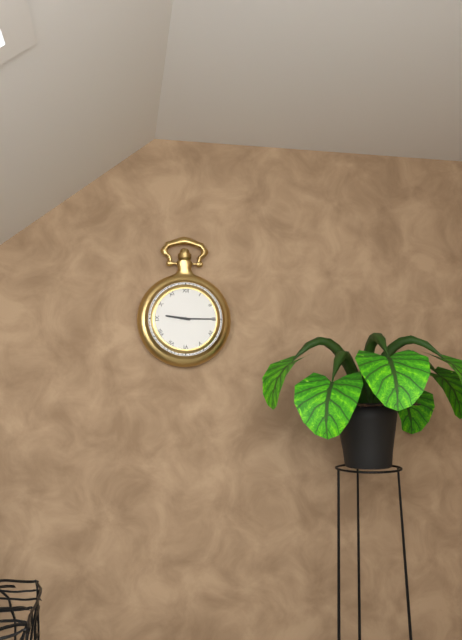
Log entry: 9:15
